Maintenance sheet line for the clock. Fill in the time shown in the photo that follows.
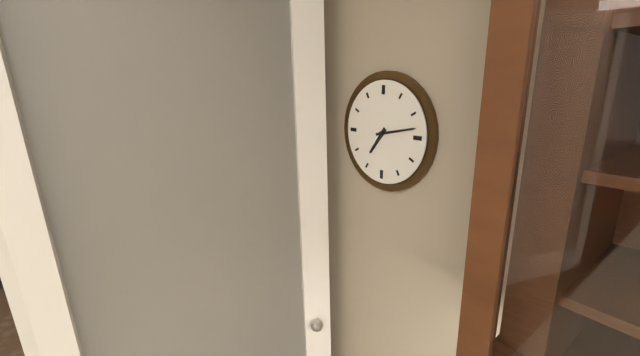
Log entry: 7:13
